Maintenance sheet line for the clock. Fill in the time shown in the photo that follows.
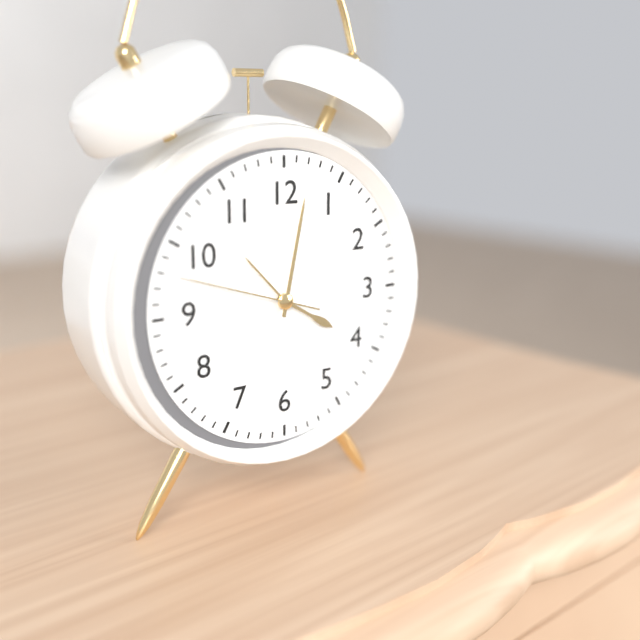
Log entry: 4:02:48
